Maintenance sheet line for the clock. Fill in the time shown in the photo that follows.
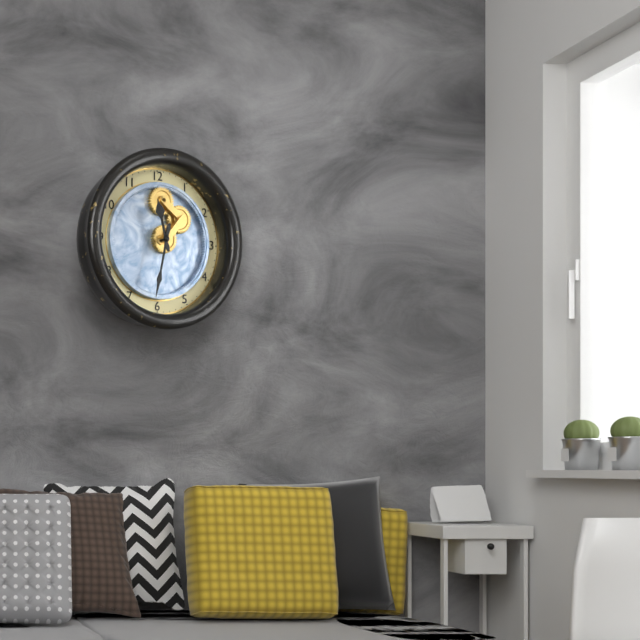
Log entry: 11:32
